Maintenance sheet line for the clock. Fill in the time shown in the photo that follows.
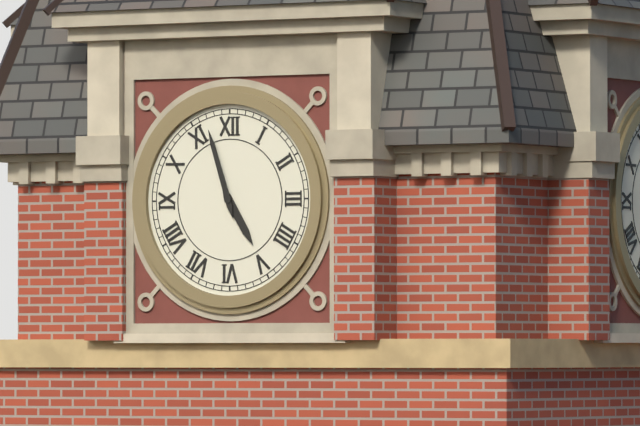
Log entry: 4:57
